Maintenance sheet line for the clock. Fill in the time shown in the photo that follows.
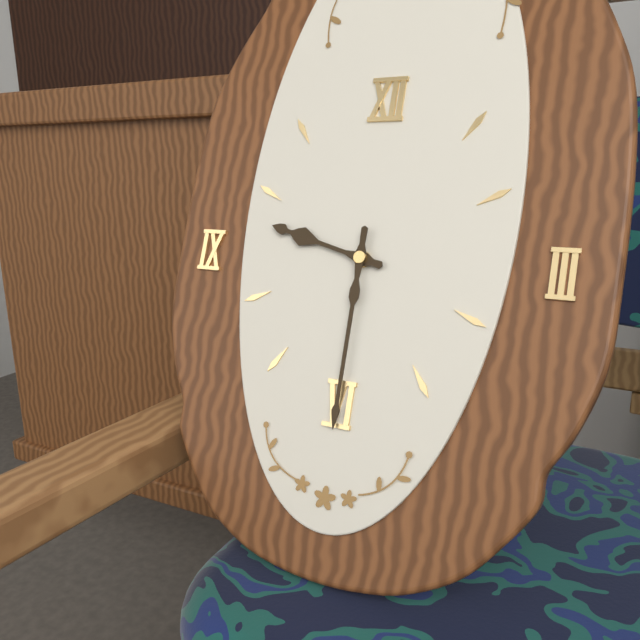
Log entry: 9:30
